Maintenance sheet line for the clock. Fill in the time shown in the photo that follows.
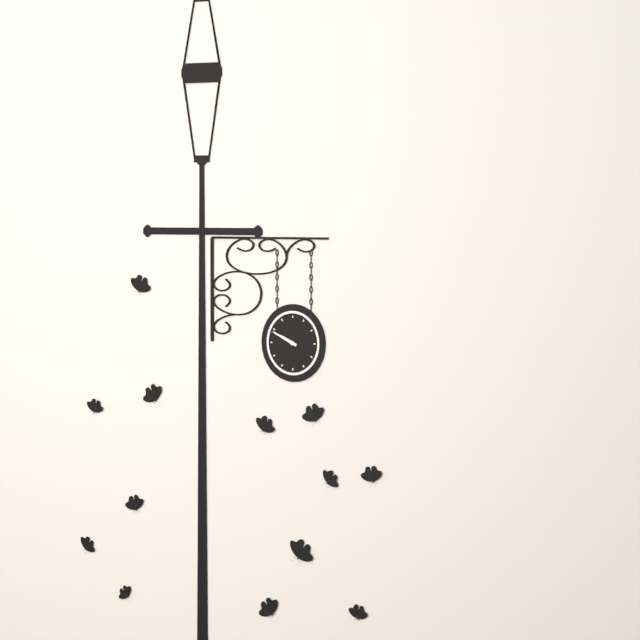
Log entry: 9:49
